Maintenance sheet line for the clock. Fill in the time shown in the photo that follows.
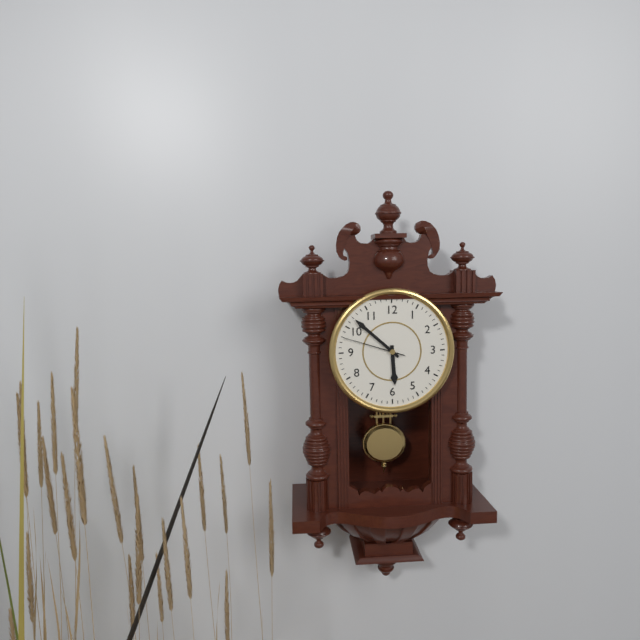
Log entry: 5:52:48
